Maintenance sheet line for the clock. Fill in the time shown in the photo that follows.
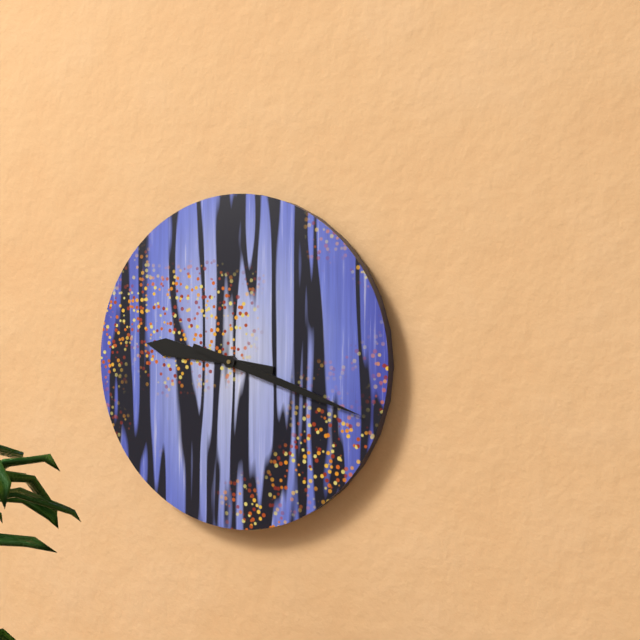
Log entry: 9:18
